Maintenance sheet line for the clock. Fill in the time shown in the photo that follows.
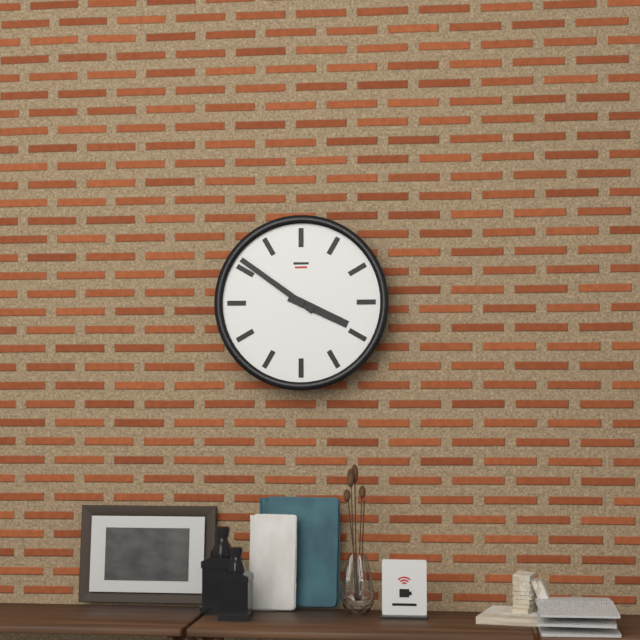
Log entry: 3:51
